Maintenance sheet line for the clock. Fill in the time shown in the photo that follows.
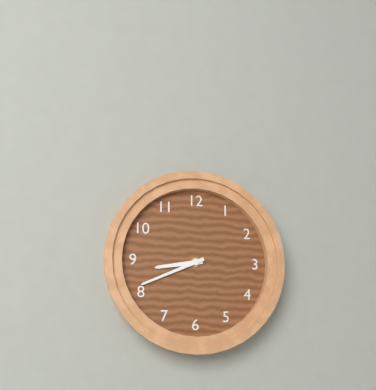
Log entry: 8:41
